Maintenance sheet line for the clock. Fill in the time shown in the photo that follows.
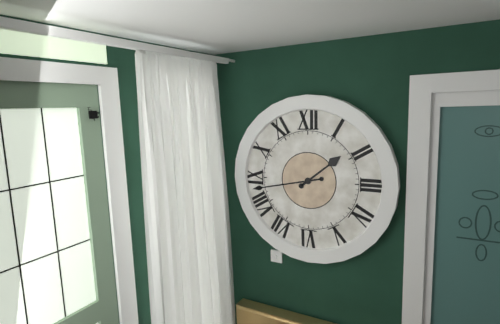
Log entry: 1:43
